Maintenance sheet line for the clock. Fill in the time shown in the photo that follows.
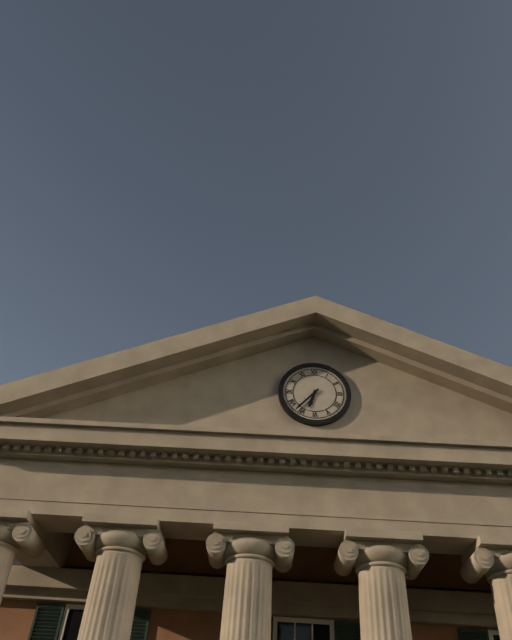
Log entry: 6:37
